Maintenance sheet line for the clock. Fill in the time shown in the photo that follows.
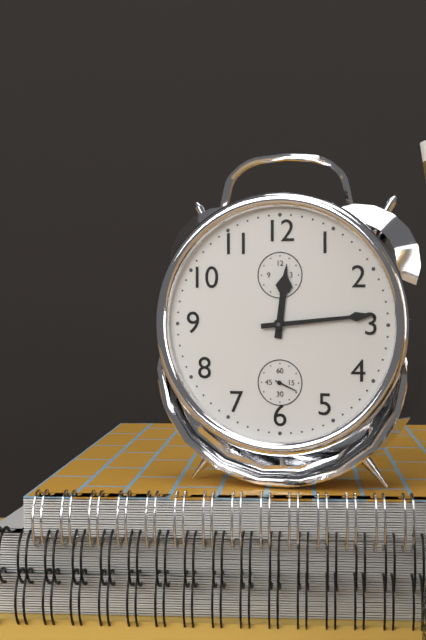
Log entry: 12:14
